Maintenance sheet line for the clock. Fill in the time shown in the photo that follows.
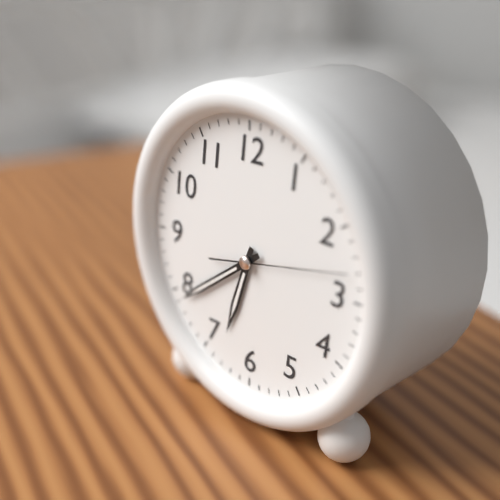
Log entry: 6:39:13
